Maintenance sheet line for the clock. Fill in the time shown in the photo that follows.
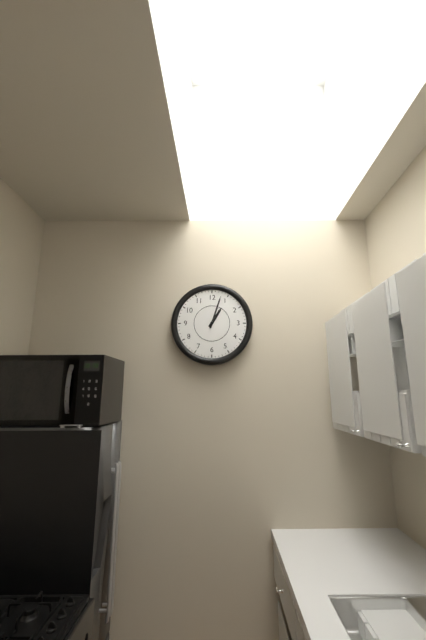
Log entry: 1:03
